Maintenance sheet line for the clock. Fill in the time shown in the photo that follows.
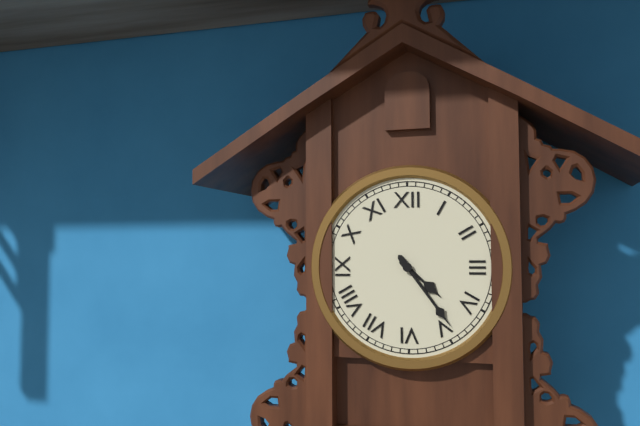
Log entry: 4:24
